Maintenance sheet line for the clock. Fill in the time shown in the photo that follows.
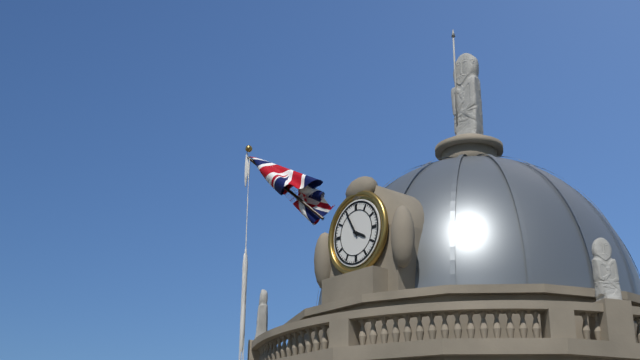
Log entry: 3:55
